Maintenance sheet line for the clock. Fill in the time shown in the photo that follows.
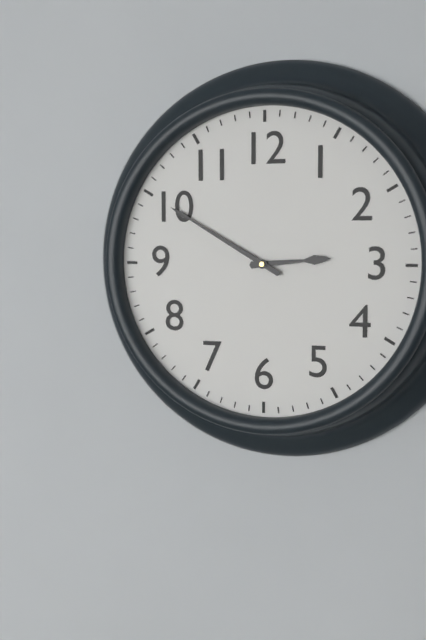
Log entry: 2:50
